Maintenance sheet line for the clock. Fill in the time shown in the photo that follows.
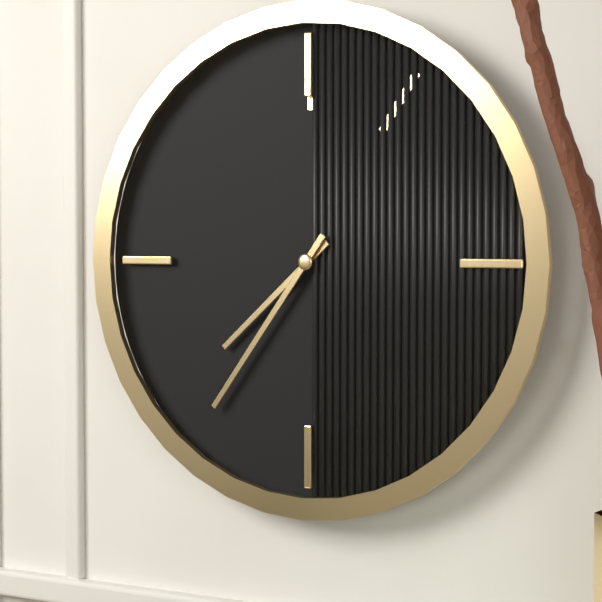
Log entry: 7:36
